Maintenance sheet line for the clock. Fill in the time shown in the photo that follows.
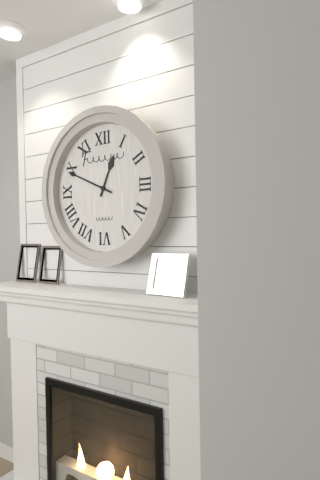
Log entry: 12:49
